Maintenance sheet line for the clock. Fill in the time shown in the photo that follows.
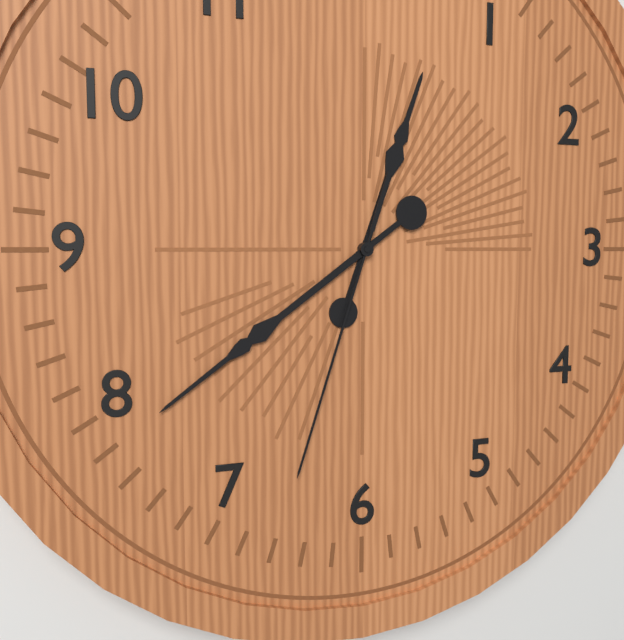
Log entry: 12:39:33
